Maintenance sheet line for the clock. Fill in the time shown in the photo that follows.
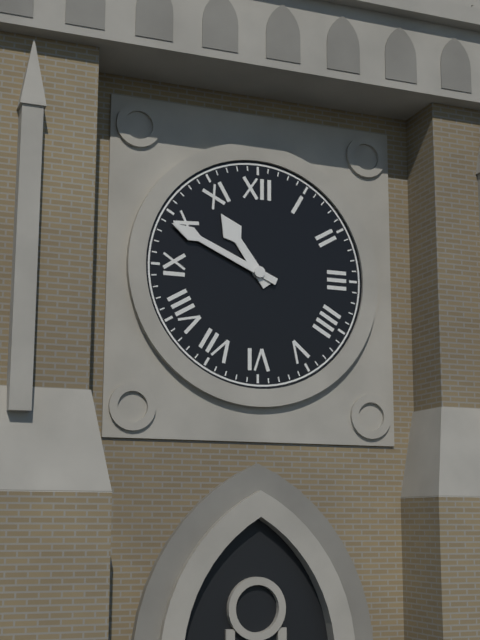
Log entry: 10:49
